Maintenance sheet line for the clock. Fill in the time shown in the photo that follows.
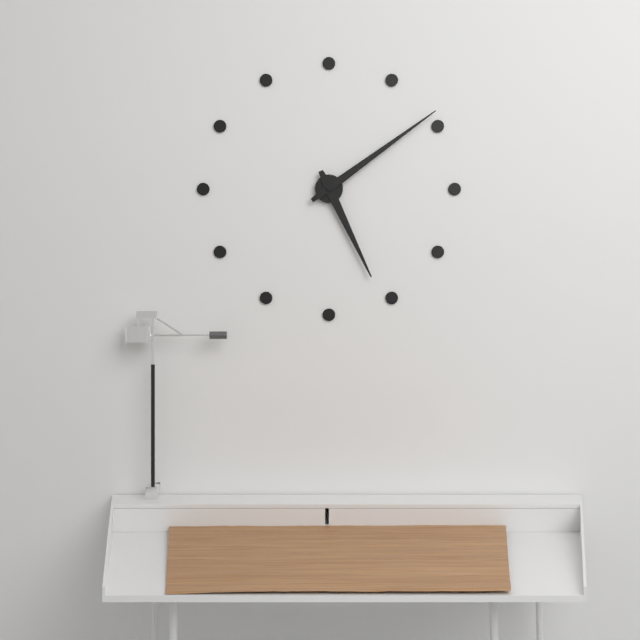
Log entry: 5:09
